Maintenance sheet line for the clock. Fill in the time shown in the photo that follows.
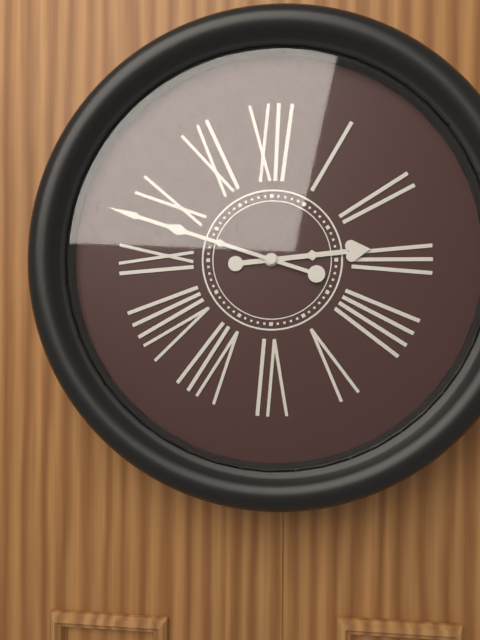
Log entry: 2:48
